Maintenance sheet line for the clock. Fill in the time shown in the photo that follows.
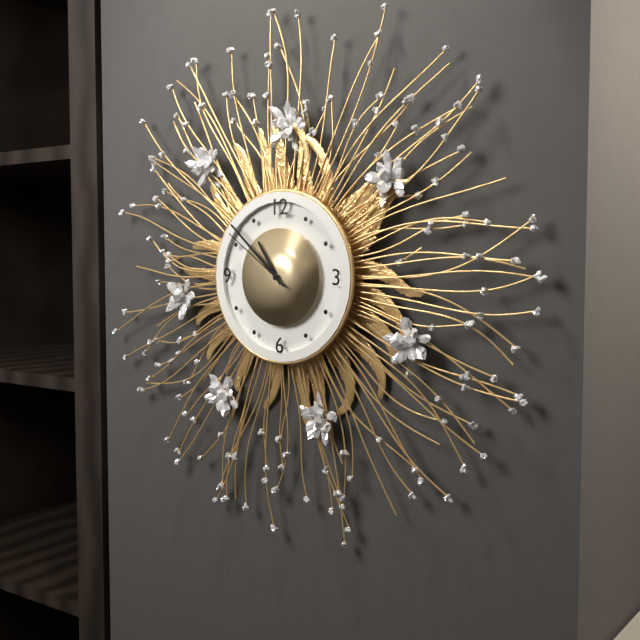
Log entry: 10:52:51
